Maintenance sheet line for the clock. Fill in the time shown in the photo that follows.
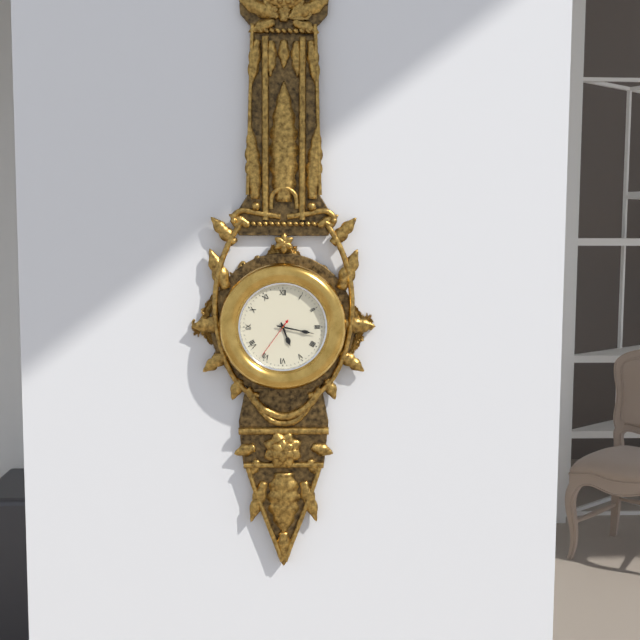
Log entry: 5:17
